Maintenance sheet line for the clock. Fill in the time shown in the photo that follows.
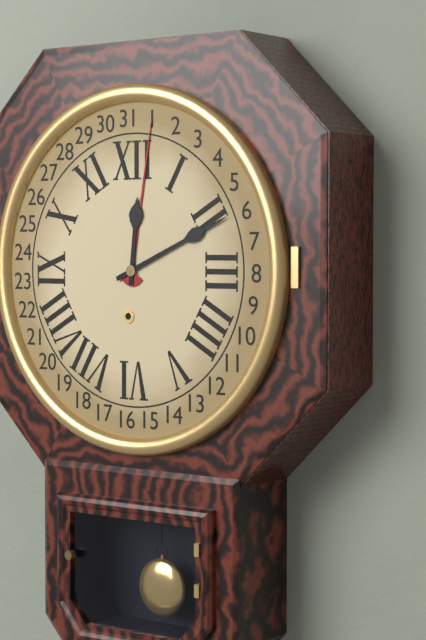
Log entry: 12:11
